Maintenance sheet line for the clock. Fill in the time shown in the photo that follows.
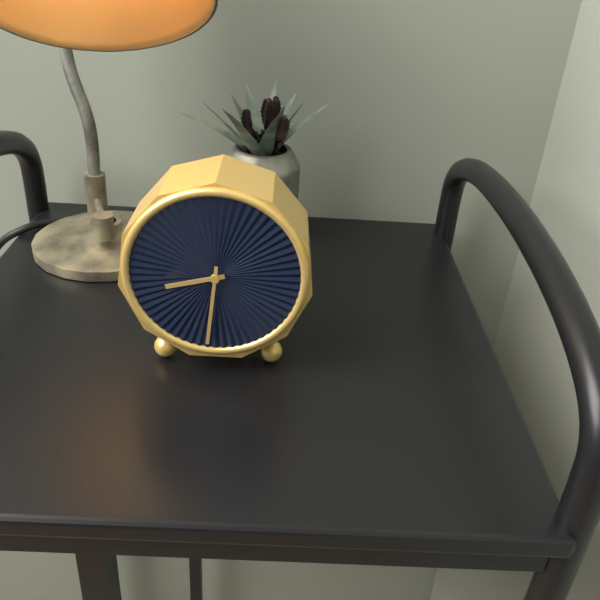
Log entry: 8:31
